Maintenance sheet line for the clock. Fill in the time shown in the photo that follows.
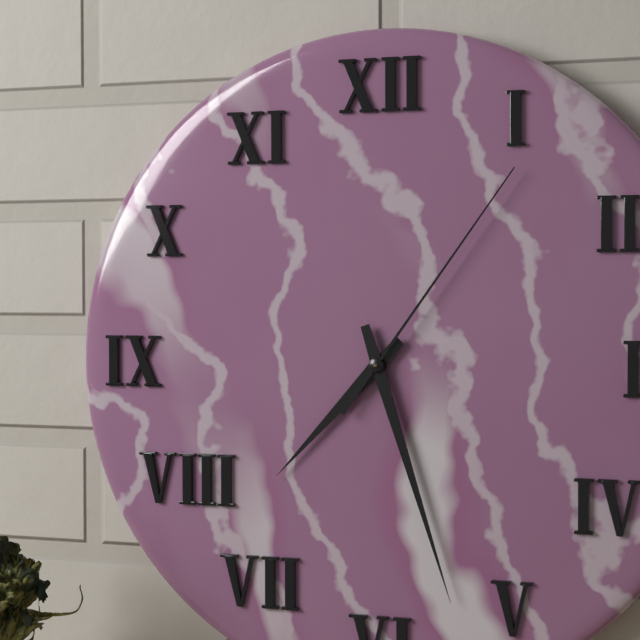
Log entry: 7:27:06
